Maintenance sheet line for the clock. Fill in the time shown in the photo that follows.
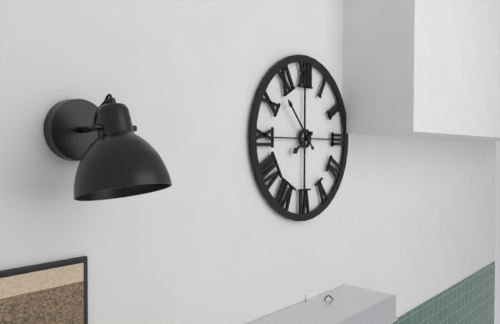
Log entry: 7:53
